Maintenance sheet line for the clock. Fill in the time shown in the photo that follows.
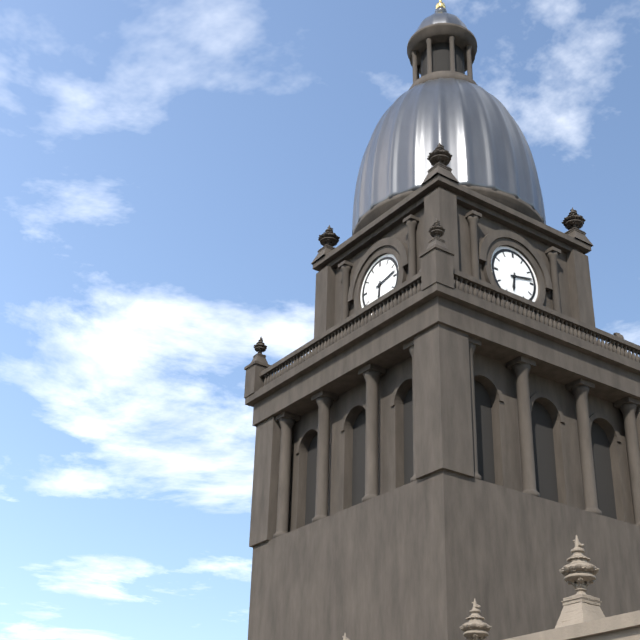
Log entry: 6:13
